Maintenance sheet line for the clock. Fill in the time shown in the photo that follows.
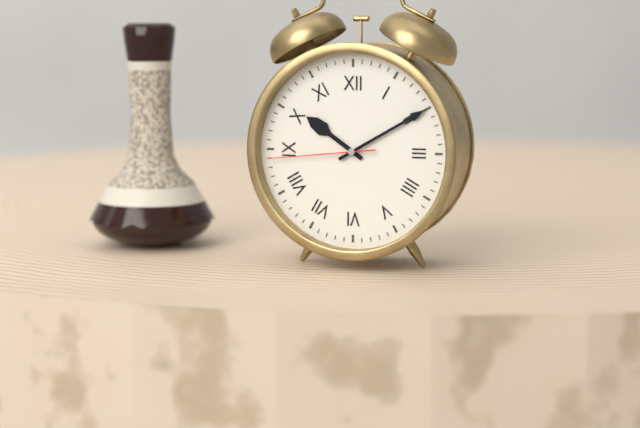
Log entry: 10:10:44
